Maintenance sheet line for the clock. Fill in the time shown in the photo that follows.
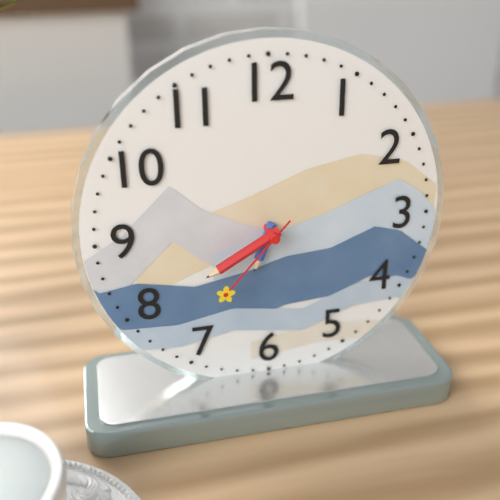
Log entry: 6:40:37
